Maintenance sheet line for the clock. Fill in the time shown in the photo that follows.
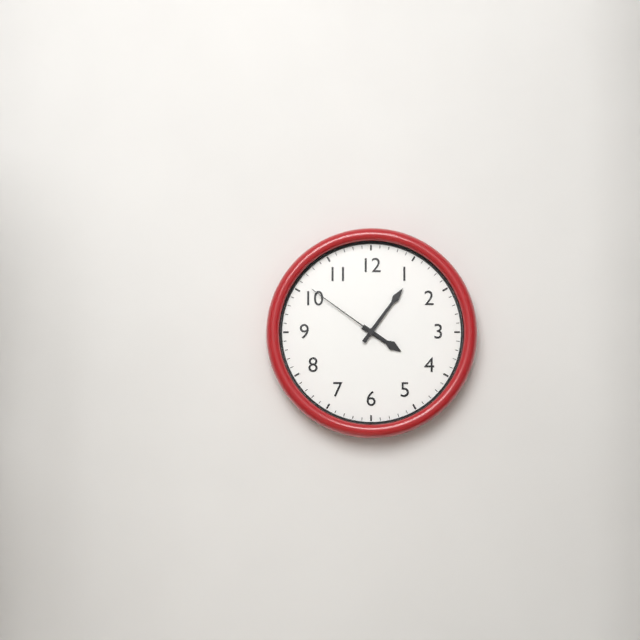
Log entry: 4:06:51
